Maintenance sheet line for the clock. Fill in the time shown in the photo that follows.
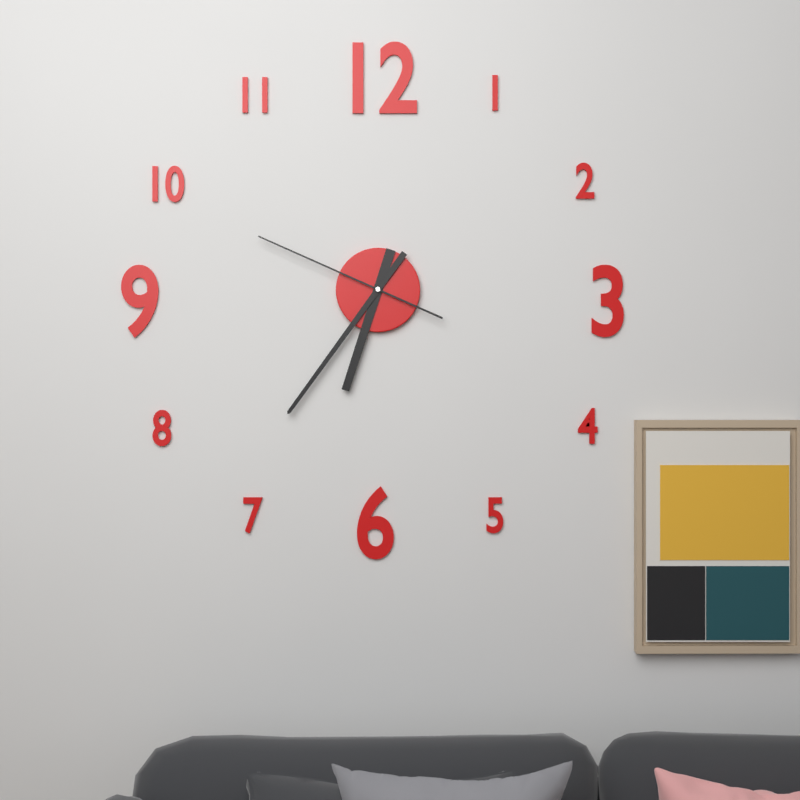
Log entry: 6:36:49
